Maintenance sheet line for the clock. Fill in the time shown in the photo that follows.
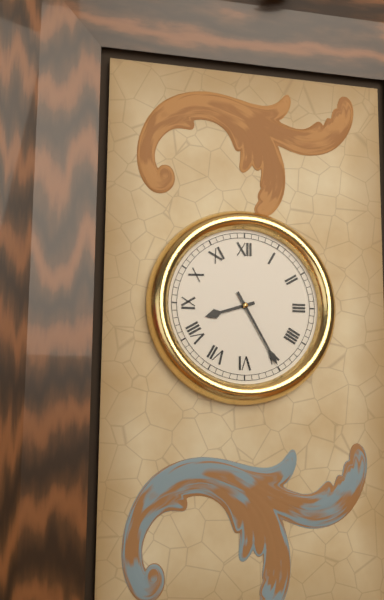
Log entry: 8:25
